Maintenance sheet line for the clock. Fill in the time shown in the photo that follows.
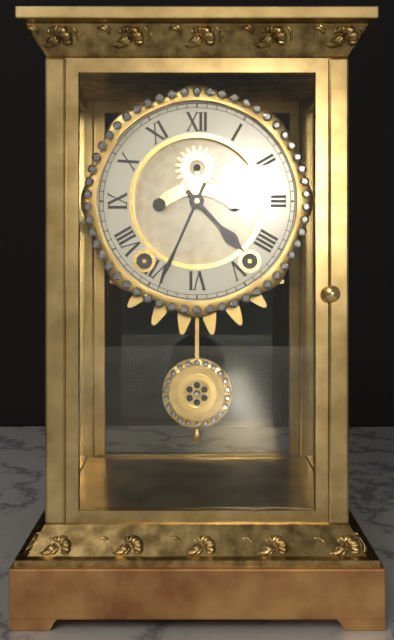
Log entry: 4:34
